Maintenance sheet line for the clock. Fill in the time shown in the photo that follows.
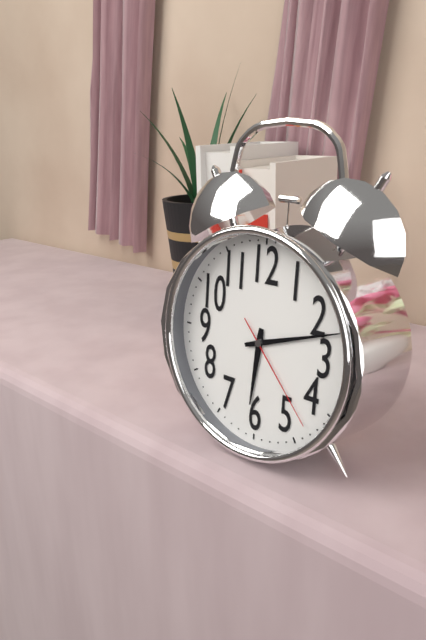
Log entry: 6:12:23
